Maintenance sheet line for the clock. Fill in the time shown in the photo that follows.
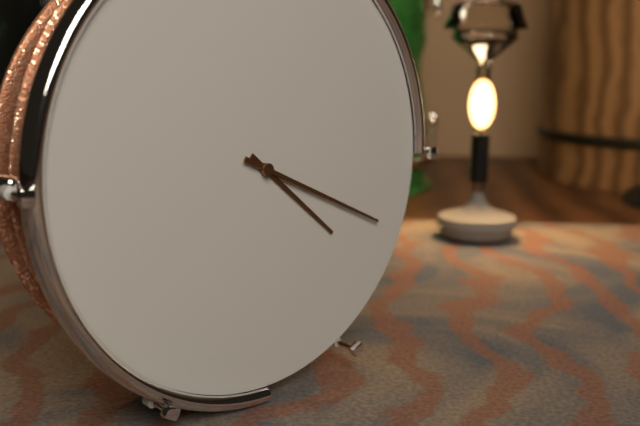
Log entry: 4:19
